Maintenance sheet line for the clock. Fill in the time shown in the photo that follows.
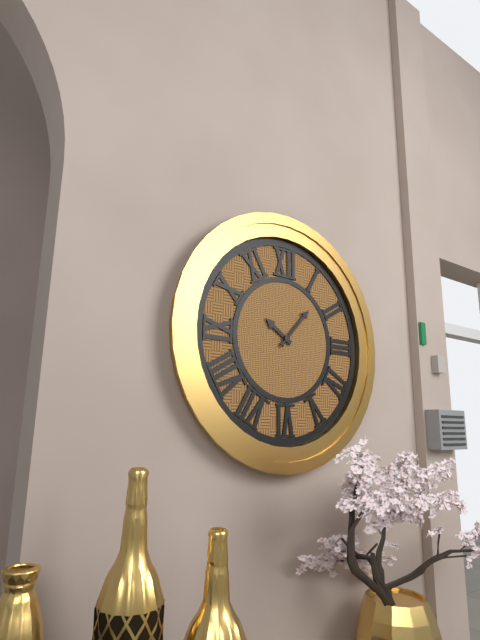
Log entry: 10:07
